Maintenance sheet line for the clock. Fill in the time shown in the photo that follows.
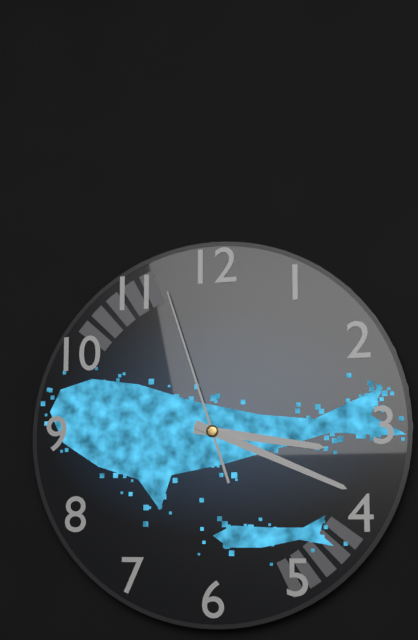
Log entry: 3:19:57
